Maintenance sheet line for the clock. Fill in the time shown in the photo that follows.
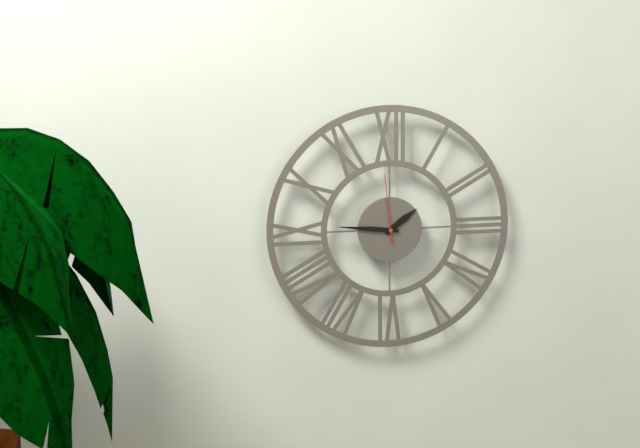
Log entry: 1:46:59
